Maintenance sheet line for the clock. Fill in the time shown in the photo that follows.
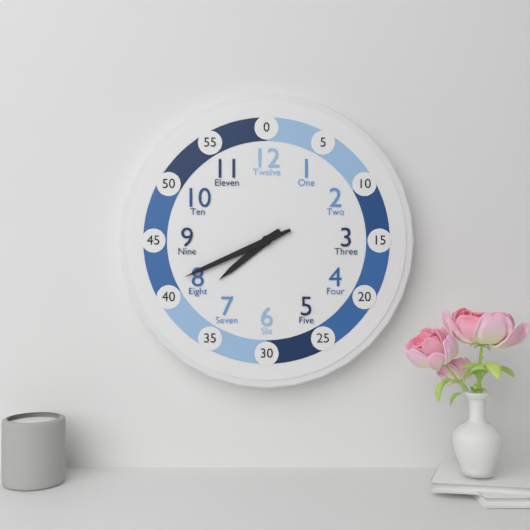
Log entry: 7:41
